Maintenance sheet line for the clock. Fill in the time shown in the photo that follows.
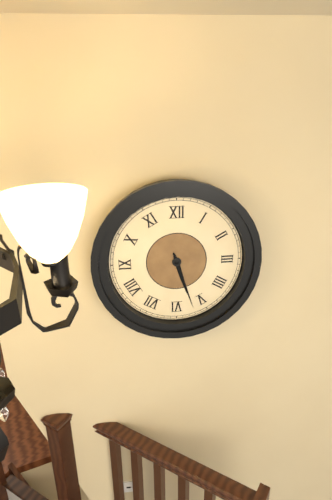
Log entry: 5:27
